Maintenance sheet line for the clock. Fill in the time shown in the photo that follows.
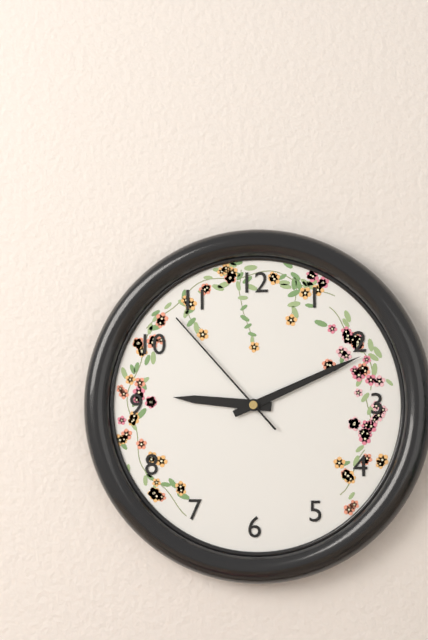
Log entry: 9:11:53
